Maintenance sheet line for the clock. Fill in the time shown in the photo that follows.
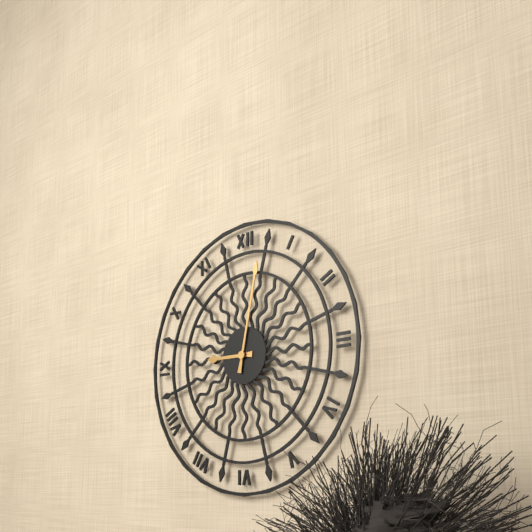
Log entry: 9:02
